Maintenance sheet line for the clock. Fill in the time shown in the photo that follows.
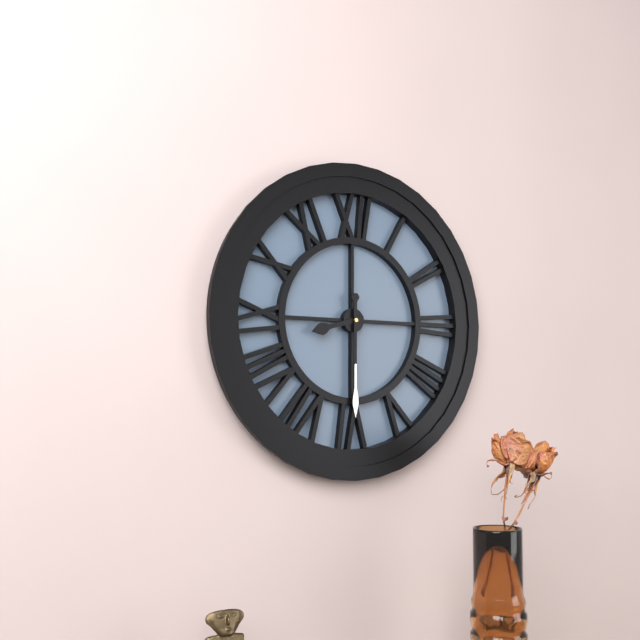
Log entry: 8:30
